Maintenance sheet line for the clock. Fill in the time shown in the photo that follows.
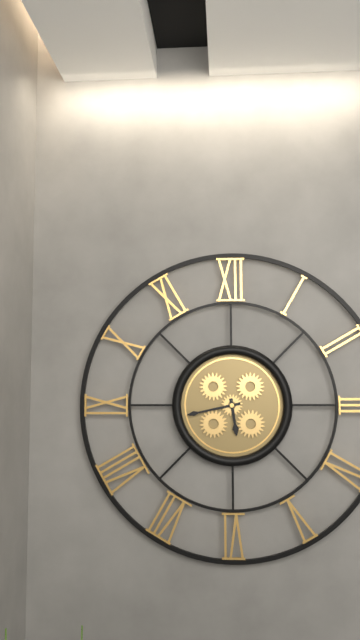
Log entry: 5:43
